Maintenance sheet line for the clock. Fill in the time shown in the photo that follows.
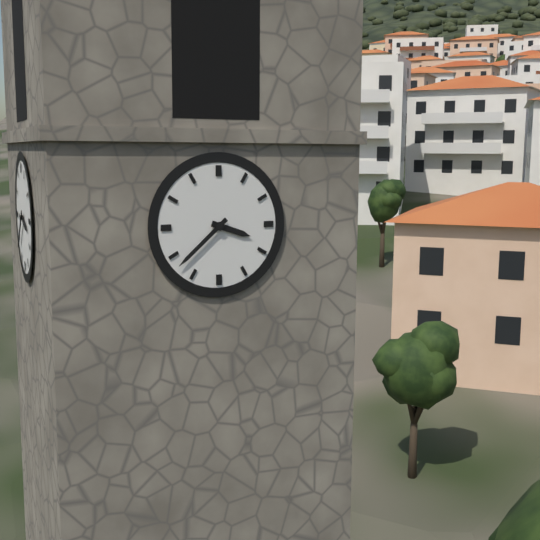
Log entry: 3:38
